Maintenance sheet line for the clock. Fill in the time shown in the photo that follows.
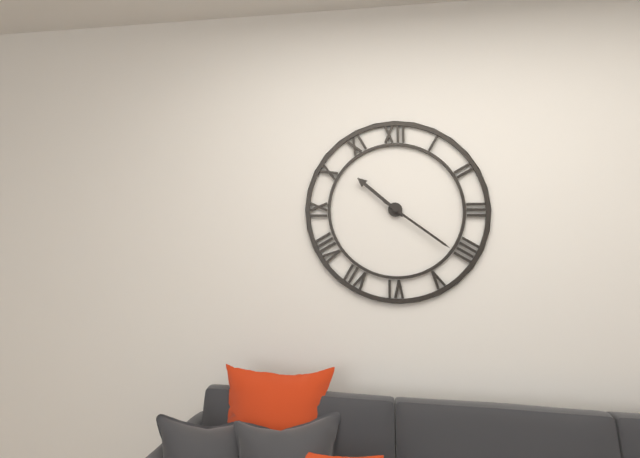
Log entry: 10:21
